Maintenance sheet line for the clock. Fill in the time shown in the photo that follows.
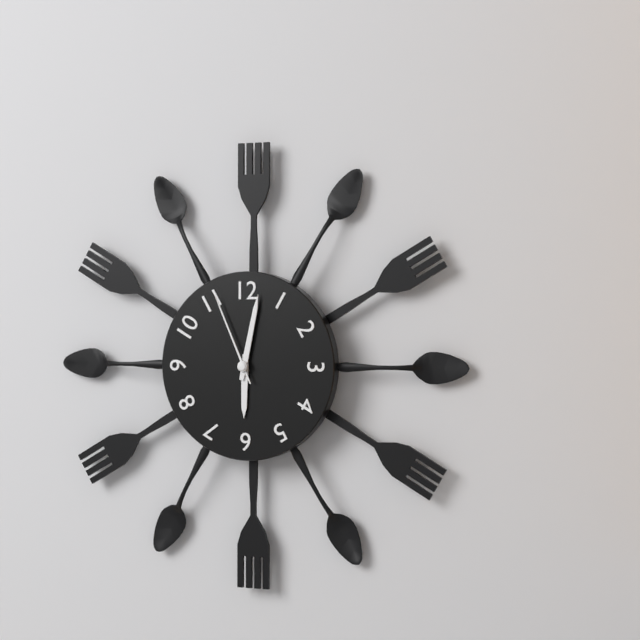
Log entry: 6:02:56
